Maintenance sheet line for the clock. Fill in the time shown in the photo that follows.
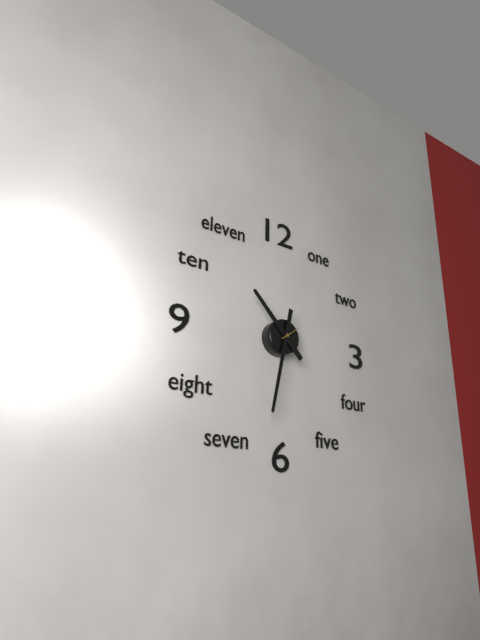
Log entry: 10:32
